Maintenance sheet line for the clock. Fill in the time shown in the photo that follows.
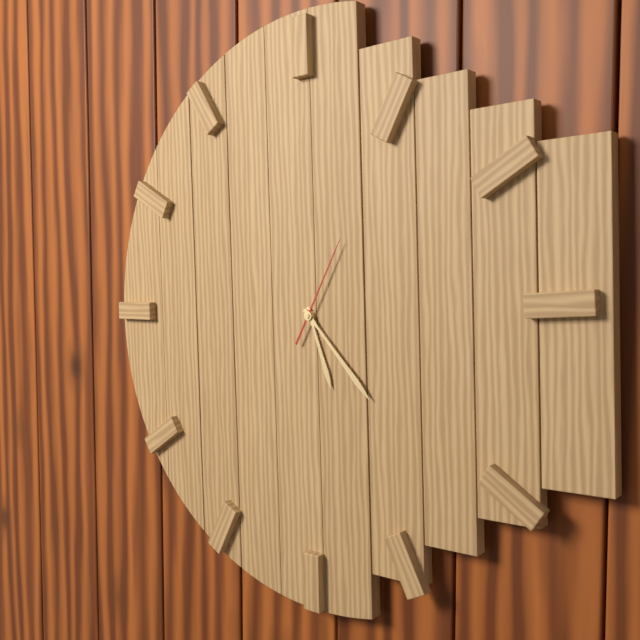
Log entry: 5:23:05
